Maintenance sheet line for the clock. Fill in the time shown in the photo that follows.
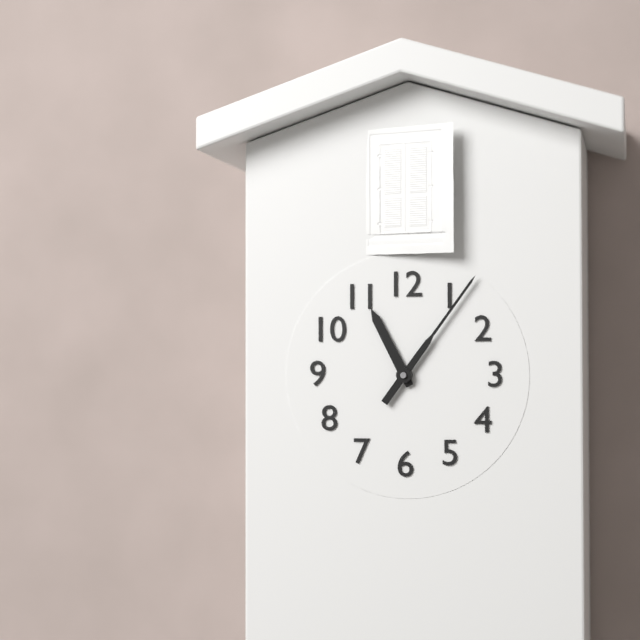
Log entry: 11:06
